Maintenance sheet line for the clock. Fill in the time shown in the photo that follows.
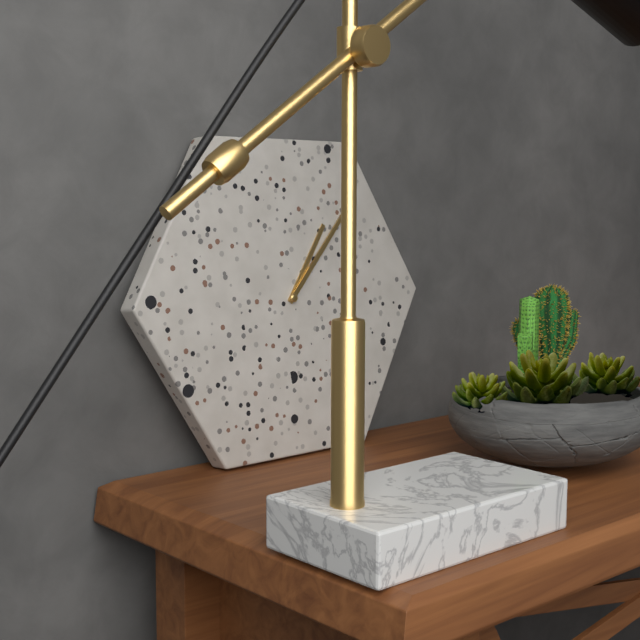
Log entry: 1:07
